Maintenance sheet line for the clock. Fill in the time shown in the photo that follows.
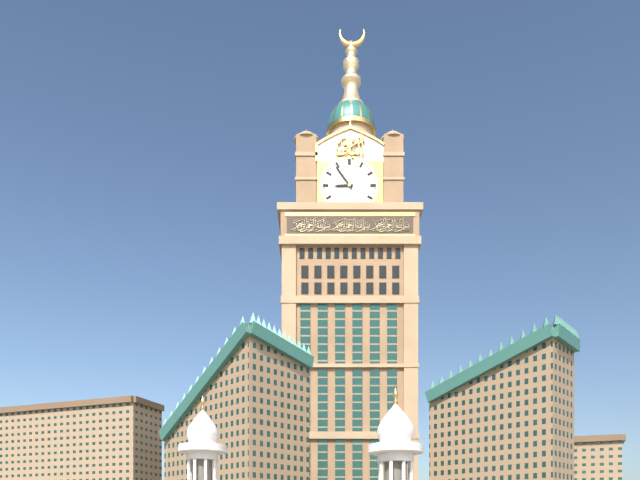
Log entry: 8:54
